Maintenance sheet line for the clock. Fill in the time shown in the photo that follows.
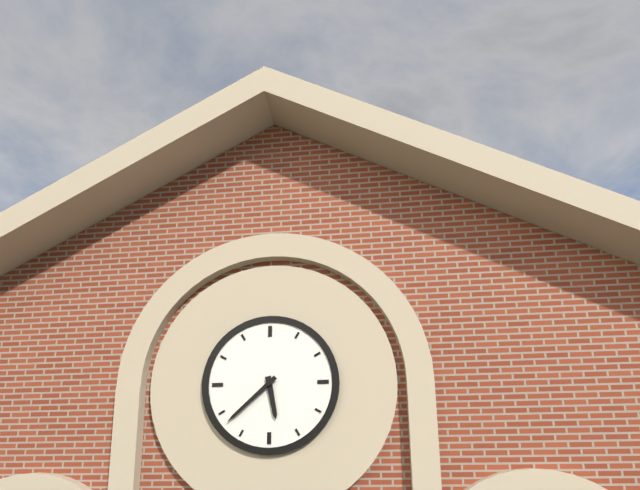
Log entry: 5:38
